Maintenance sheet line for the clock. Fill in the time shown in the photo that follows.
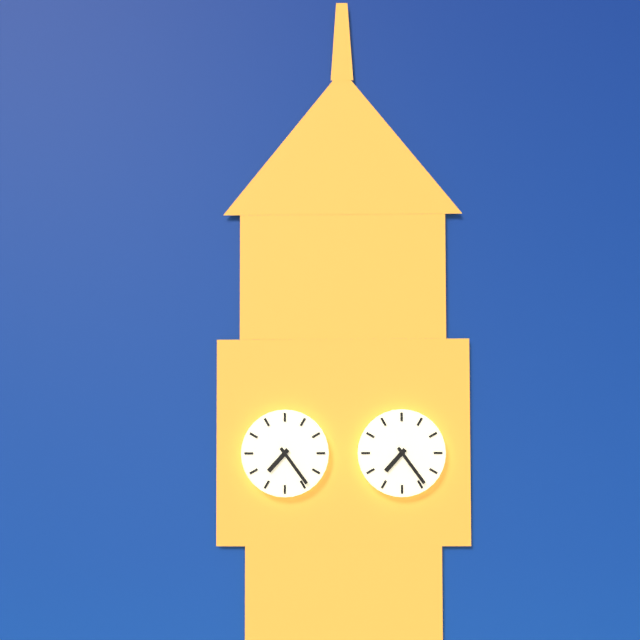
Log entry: 7:24
